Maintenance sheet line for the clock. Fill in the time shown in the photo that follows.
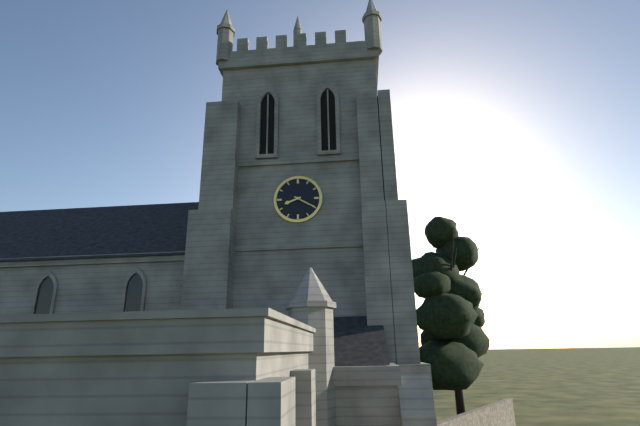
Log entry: 8:20
